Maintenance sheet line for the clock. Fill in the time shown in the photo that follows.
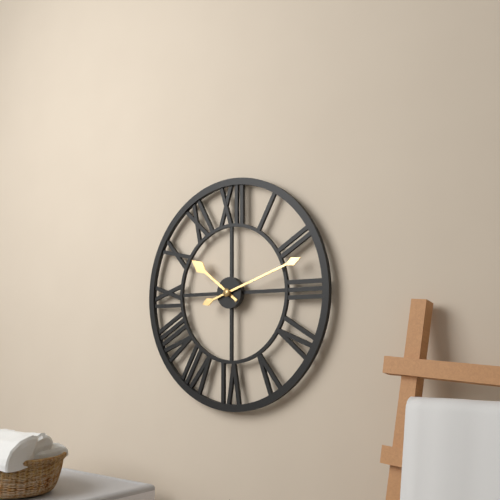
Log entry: 10:12
